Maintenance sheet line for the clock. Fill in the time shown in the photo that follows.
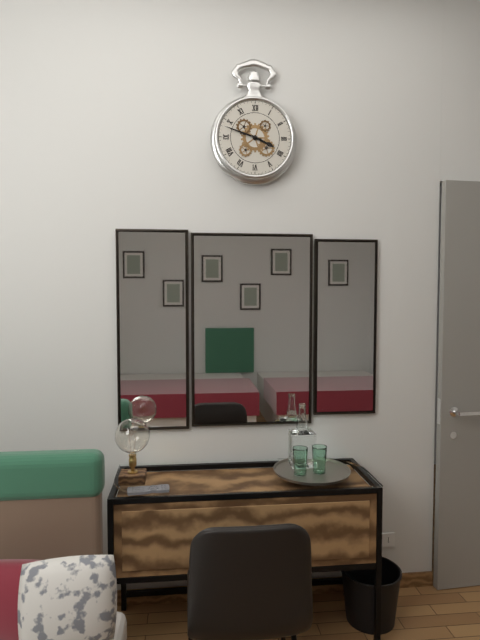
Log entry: 3:48
